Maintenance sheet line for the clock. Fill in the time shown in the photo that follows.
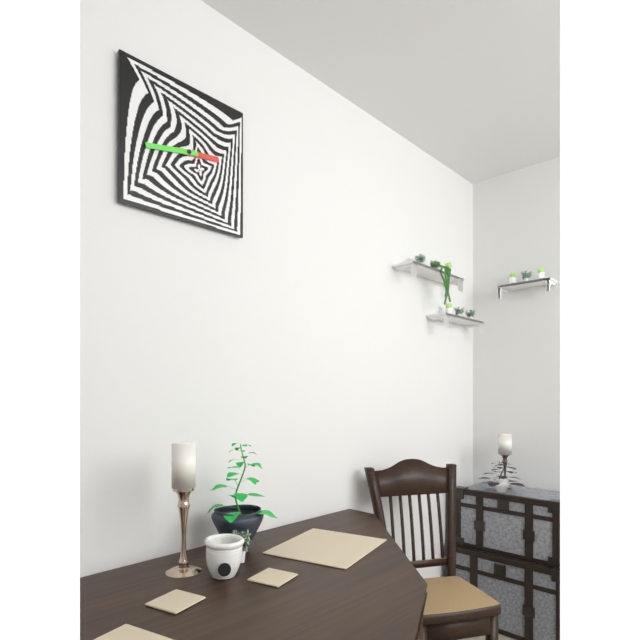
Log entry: 2:43
